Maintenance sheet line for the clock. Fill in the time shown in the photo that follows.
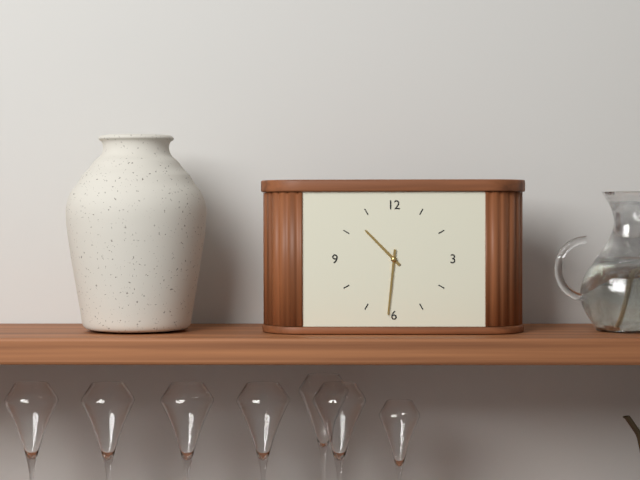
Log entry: 10:31
